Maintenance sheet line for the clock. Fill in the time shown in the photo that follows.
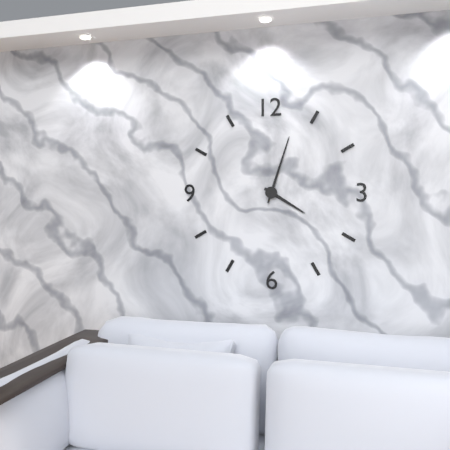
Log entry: 4:03
